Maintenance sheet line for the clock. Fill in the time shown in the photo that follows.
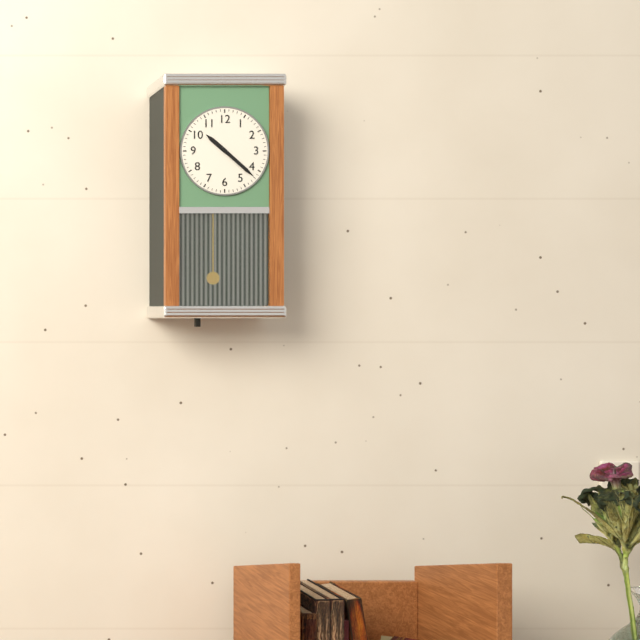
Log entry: 10:22
